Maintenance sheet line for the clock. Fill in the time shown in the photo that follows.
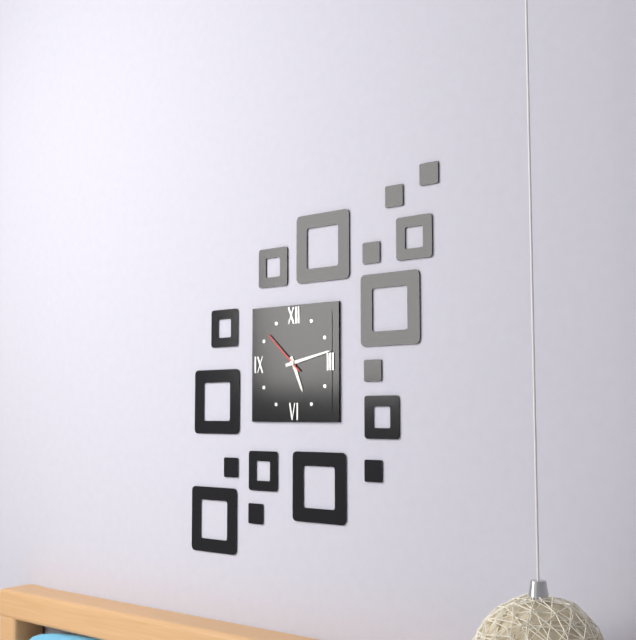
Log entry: 5:13
